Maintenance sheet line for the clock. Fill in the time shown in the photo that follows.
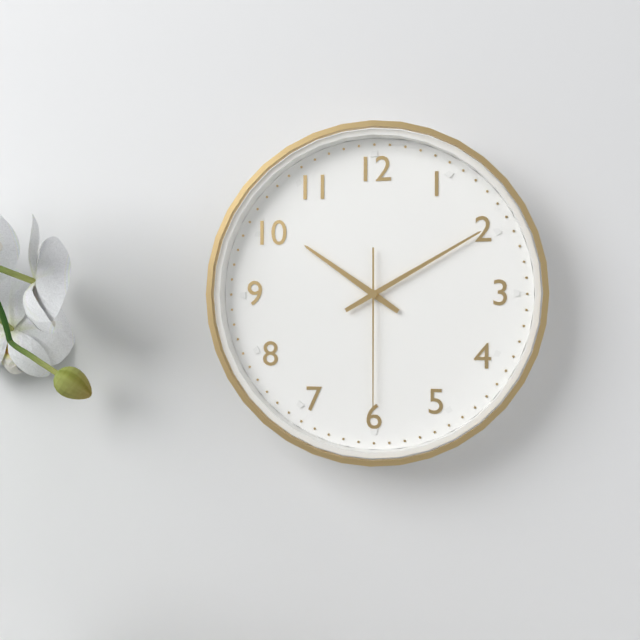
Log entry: 10:10:30
